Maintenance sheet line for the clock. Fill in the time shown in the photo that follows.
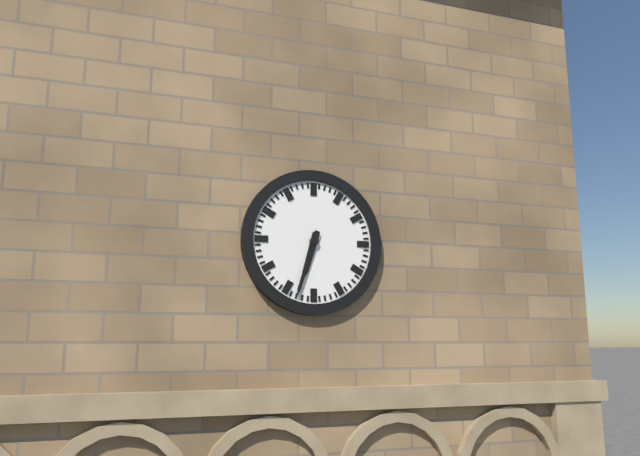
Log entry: 6:33
